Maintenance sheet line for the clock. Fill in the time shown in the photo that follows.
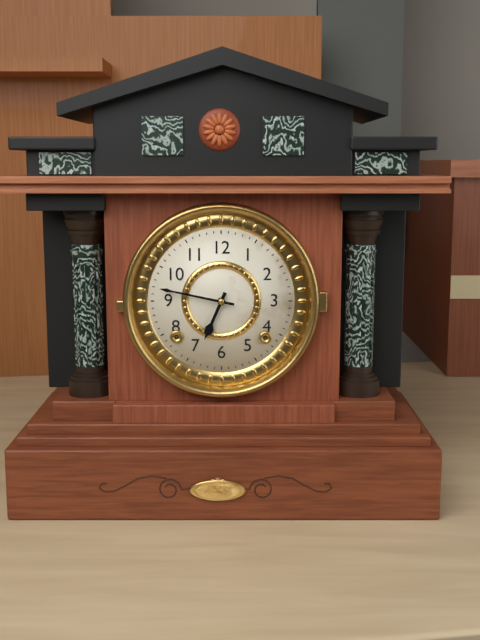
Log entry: 6:47
